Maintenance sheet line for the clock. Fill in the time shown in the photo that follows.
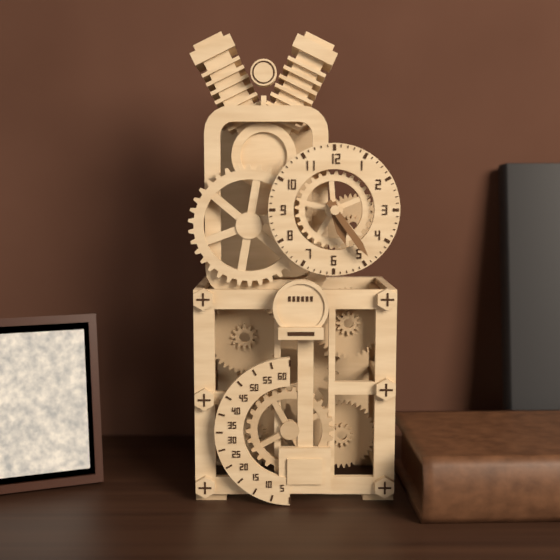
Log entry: 5:24
